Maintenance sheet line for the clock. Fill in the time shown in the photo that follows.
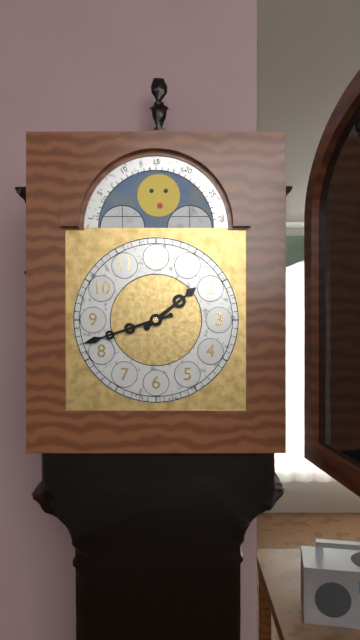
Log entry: 1:42
